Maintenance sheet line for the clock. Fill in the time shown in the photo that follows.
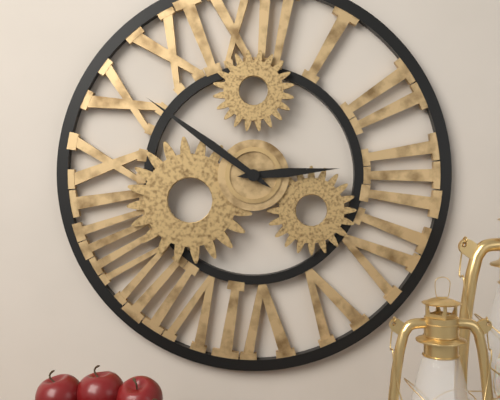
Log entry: 2:51
